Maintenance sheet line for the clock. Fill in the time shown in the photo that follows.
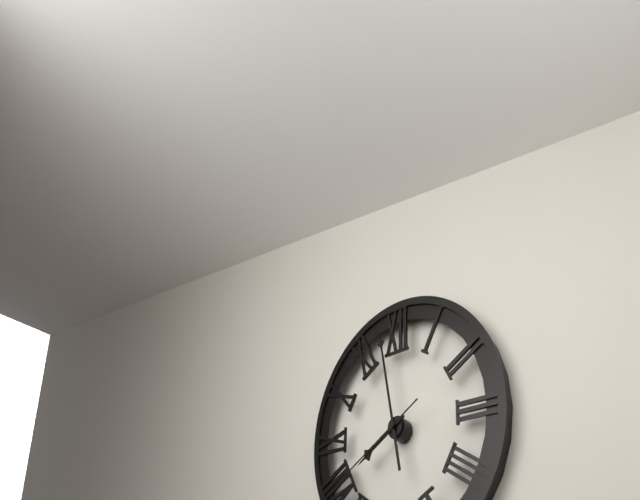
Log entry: 7:58:40
